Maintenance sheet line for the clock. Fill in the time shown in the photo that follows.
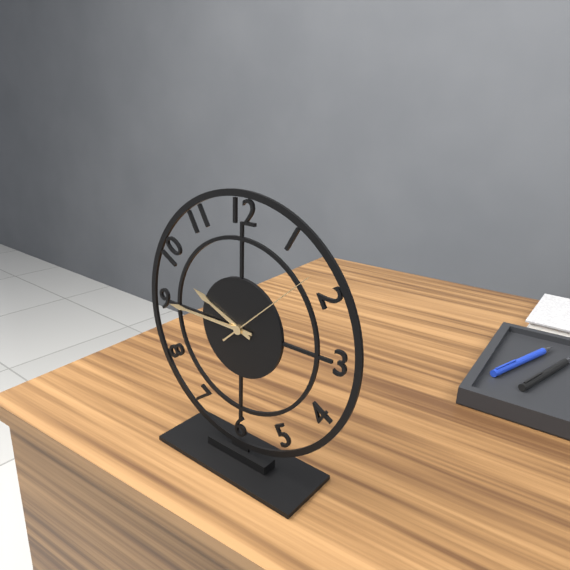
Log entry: 9:45:08
